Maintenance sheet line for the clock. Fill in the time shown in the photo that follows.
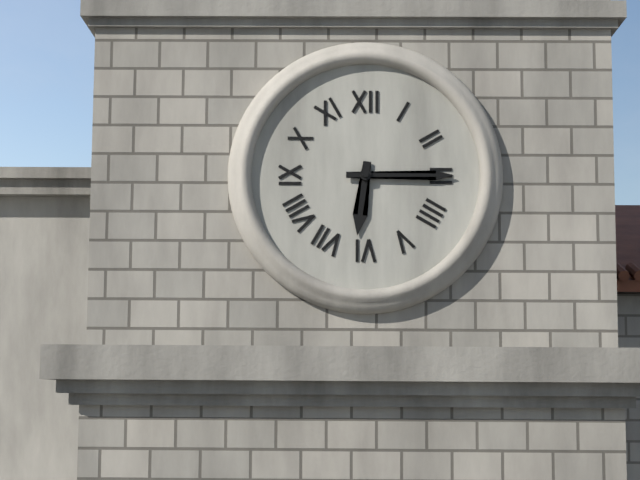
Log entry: 6:15
